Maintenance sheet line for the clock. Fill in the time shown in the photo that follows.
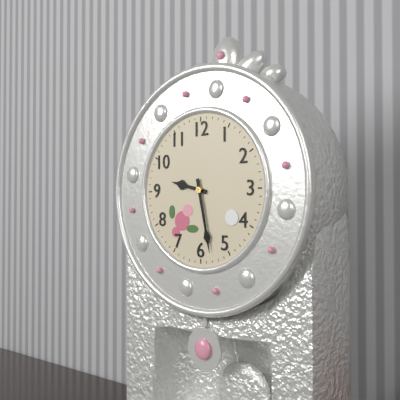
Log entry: 9:28
